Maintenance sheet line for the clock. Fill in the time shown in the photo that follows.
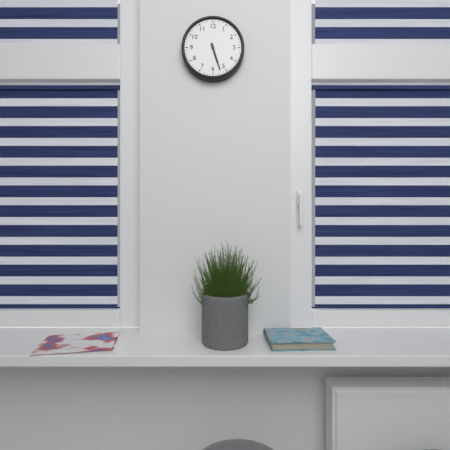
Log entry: 5:27
